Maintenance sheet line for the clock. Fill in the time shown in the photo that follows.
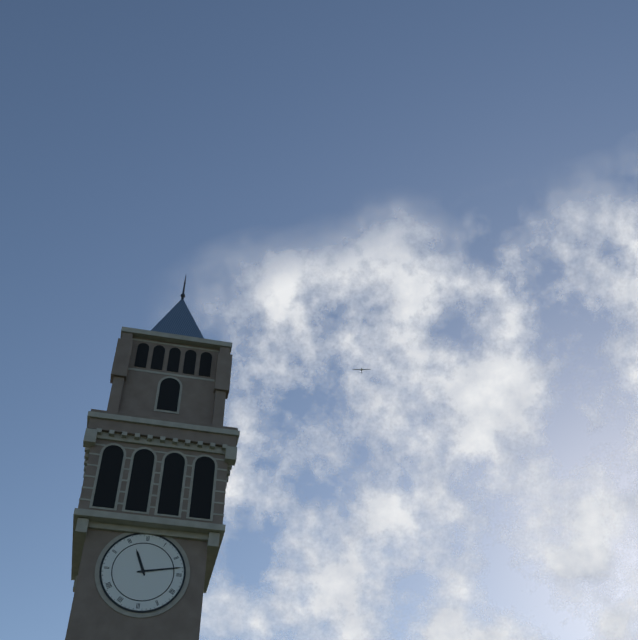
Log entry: 11:13
